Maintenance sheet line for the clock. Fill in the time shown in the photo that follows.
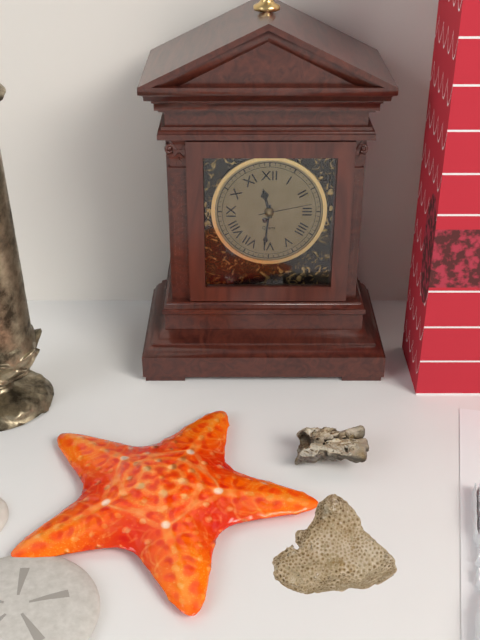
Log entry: 11:31:13
